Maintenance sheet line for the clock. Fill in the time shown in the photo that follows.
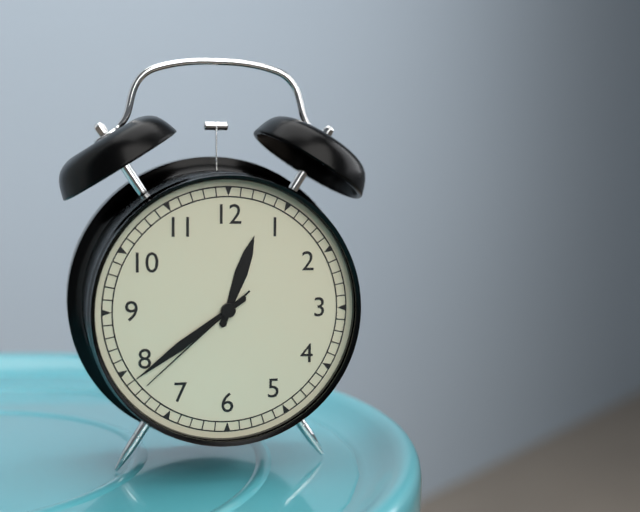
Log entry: 12:39:38
